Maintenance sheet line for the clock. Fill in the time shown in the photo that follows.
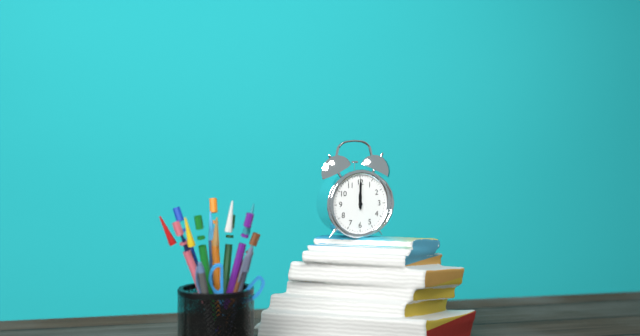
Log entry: 12:00
